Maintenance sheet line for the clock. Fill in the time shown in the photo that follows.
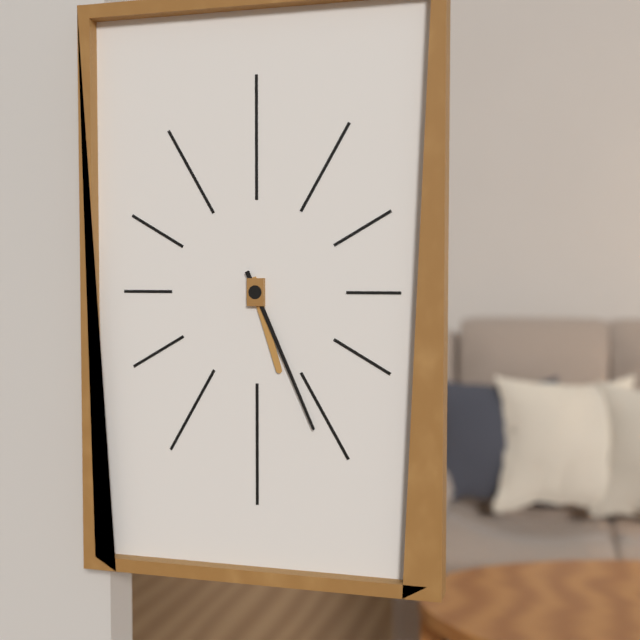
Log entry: 5:26
